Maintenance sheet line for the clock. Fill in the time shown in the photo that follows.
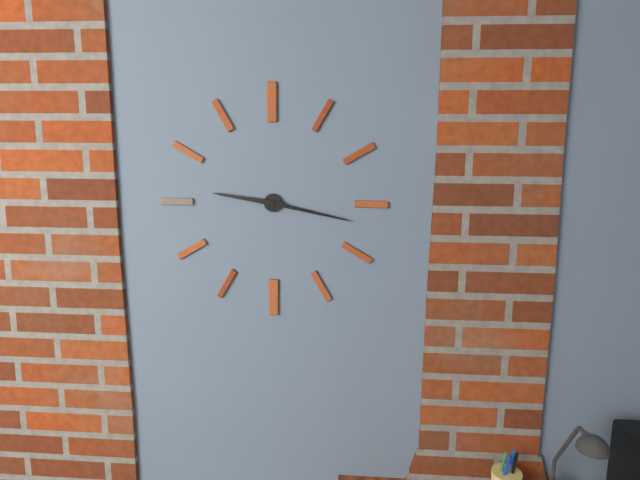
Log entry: 9:17
